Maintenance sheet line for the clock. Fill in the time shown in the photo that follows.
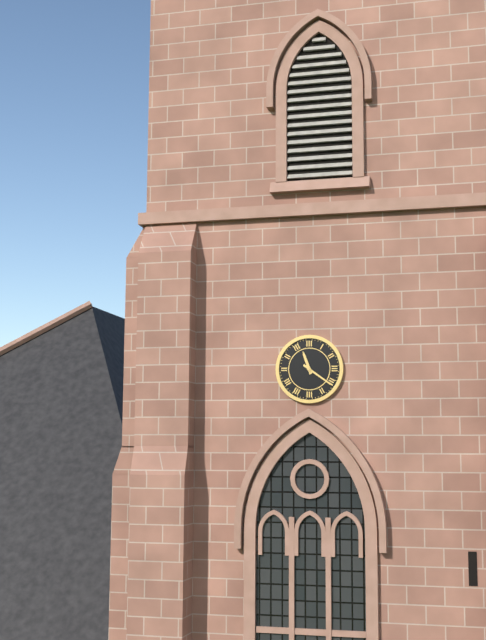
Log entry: 11:21
